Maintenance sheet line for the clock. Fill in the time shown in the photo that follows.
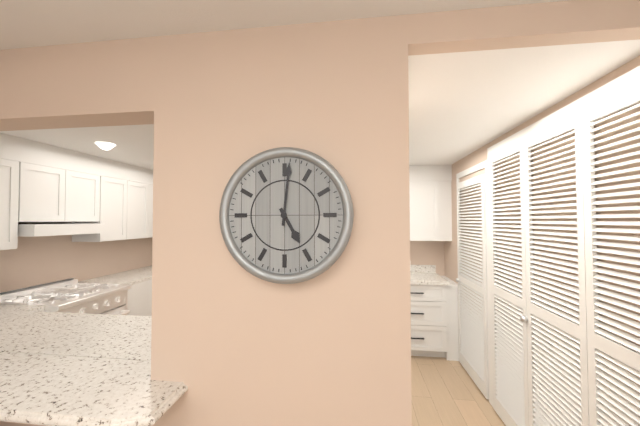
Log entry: 5:01
